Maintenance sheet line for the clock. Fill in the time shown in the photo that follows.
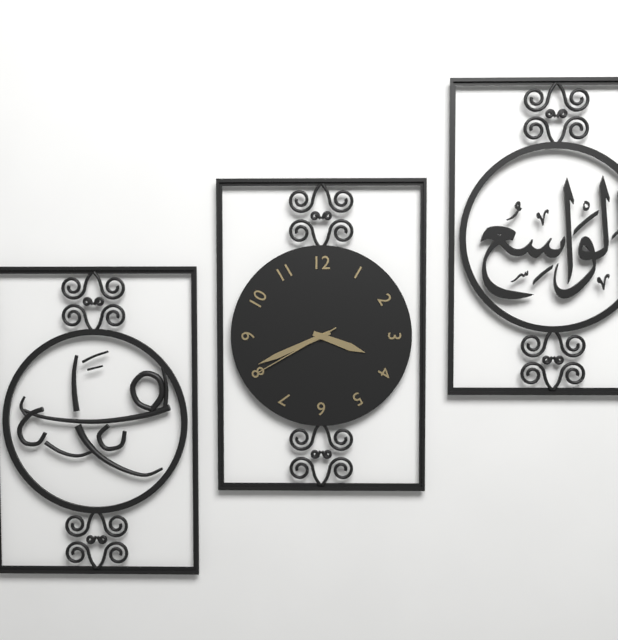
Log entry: 3:41:40
